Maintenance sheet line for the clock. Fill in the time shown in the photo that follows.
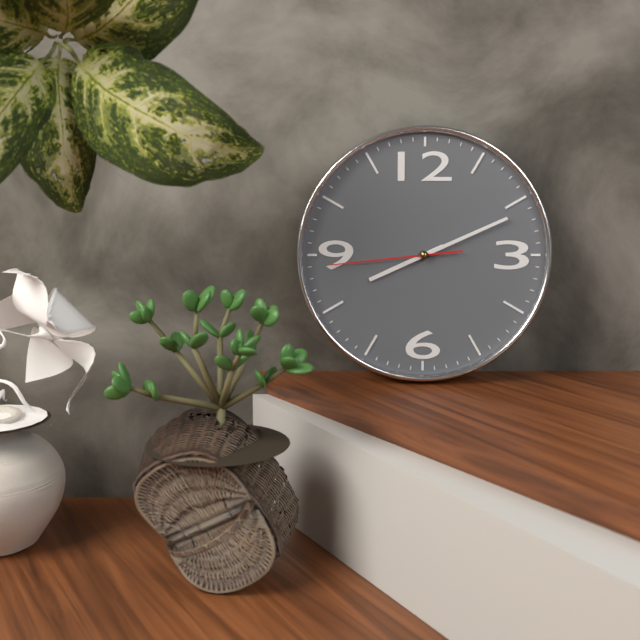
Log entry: 8:11:44
